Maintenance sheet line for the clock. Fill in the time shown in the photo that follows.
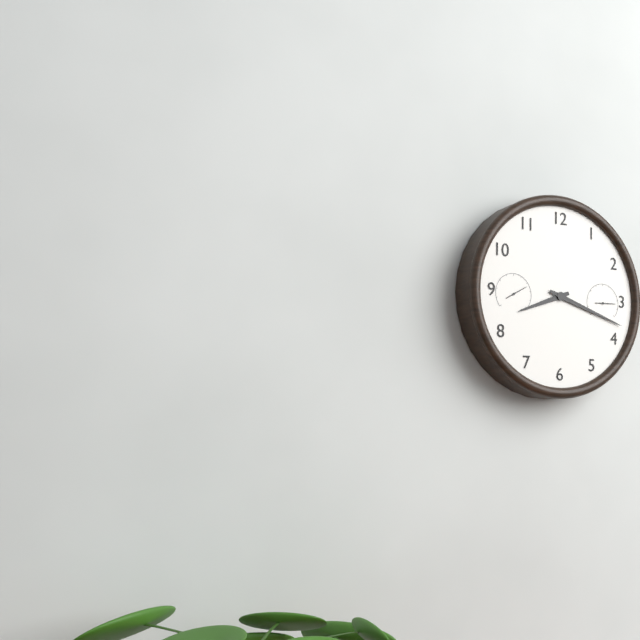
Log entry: 8:18
